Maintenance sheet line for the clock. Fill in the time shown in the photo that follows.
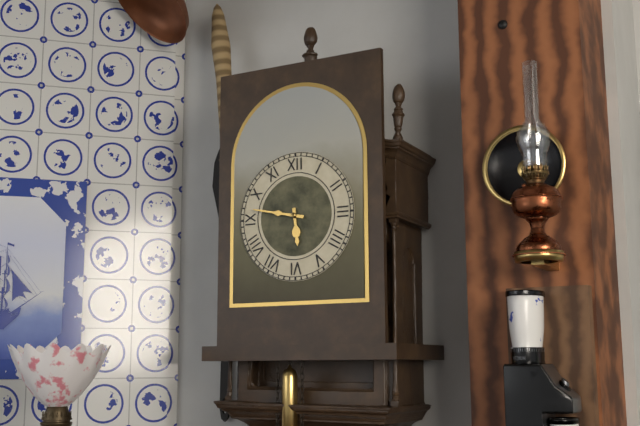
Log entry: 5:47
